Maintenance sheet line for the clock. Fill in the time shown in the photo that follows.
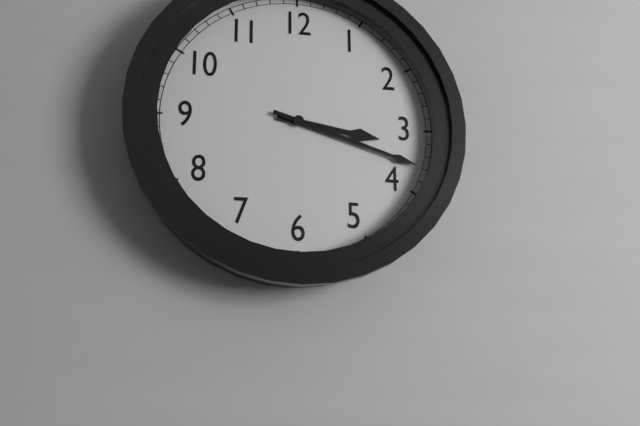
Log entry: 3:18
